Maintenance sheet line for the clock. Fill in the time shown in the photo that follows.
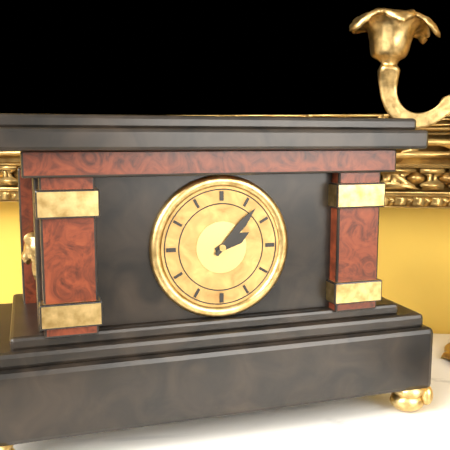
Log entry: 2:07
